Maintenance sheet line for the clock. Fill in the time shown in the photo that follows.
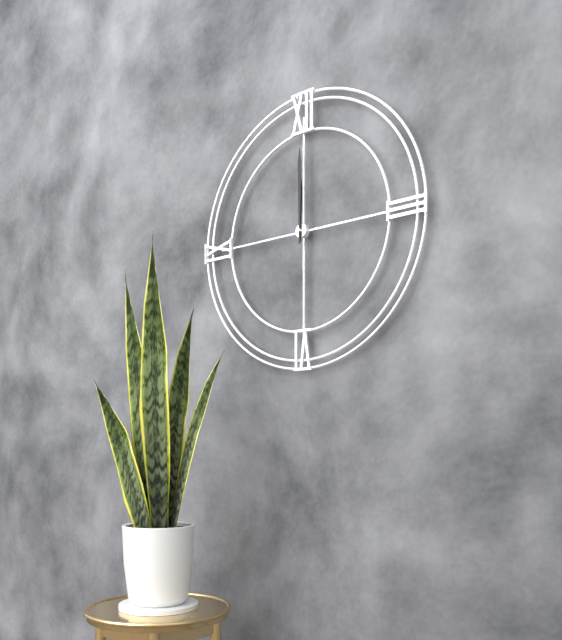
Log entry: 12:00
